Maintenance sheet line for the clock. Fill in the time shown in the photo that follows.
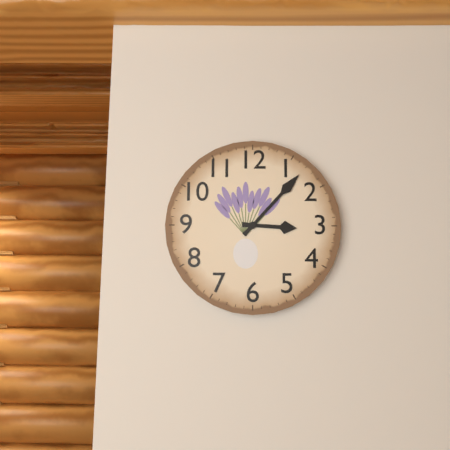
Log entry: 3:07
